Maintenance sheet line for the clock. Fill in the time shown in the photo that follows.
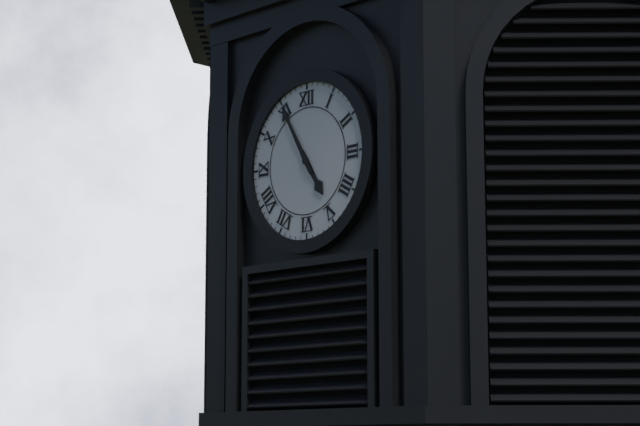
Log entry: 4:55
